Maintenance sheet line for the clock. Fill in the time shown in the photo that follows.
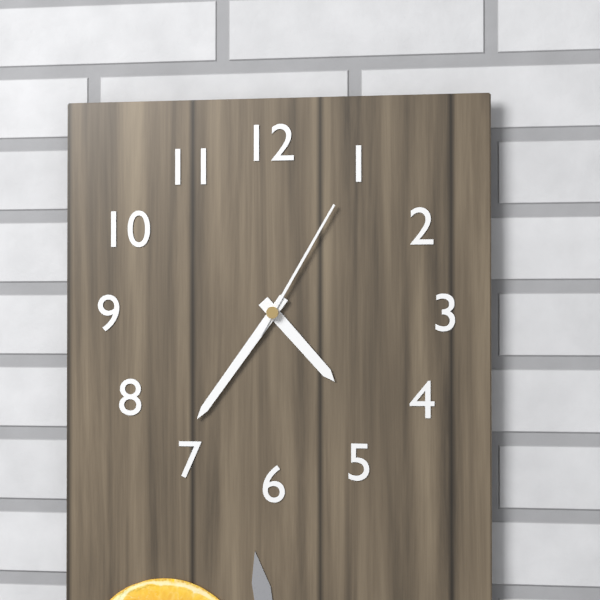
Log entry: 4:36:05
